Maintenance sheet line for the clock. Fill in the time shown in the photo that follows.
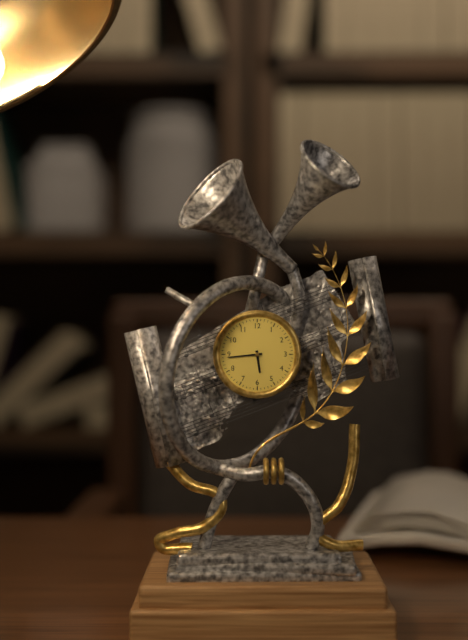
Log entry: 5:44
